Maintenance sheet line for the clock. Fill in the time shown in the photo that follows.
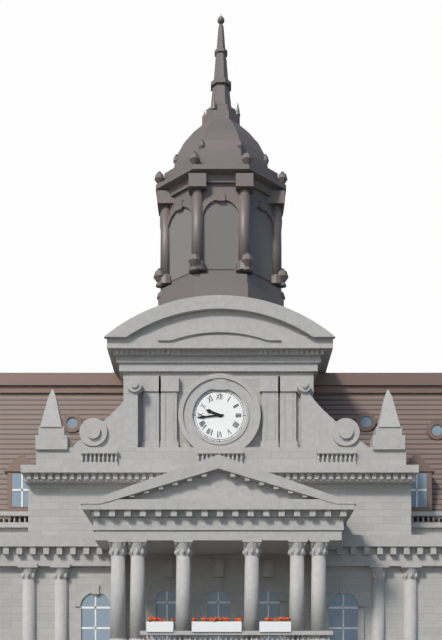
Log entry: 9:44
